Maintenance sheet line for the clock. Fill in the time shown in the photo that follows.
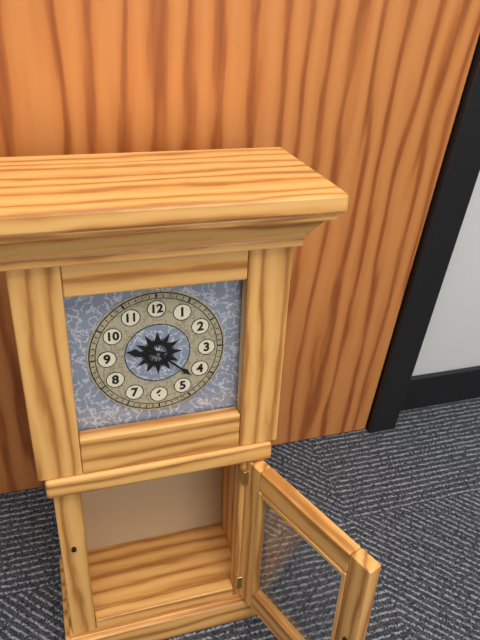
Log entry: 9:22
